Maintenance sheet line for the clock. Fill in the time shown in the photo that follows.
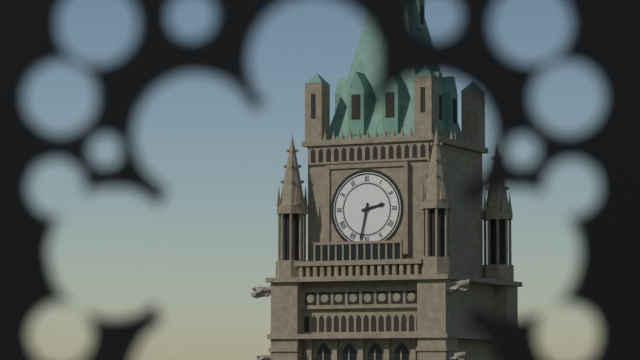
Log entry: 2:32
